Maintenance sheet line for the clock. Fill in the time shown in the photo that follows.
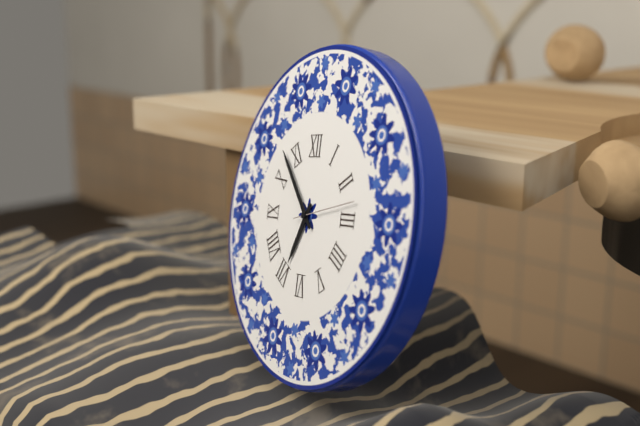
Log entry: 6:53:13
